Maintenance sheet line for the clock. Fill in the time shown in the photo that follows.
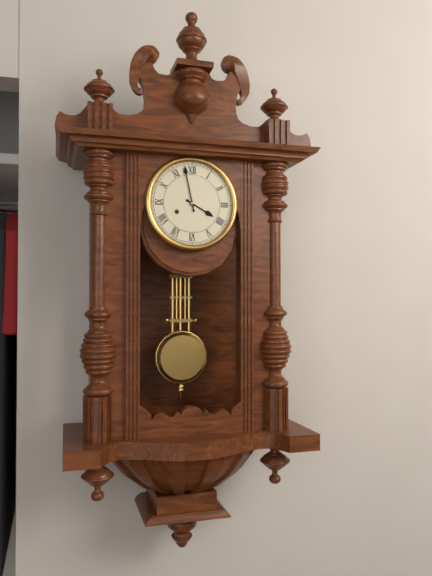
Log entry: 3:58
